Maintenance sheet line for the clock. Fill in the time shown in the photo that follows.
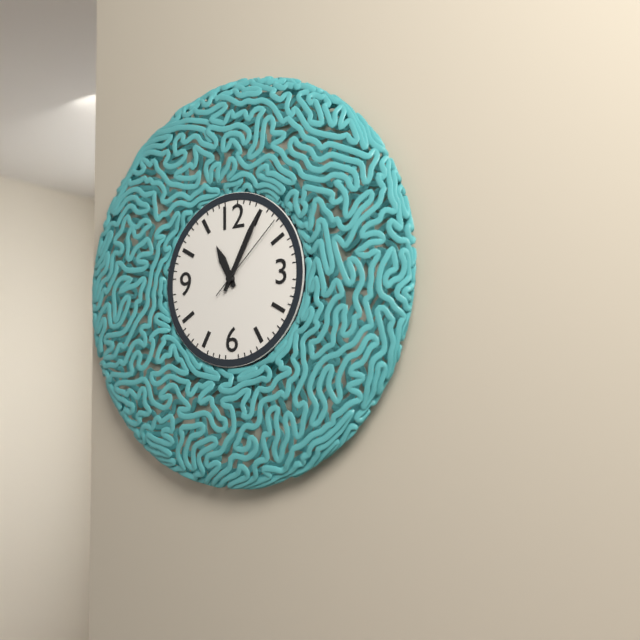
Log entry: 11:05:08
